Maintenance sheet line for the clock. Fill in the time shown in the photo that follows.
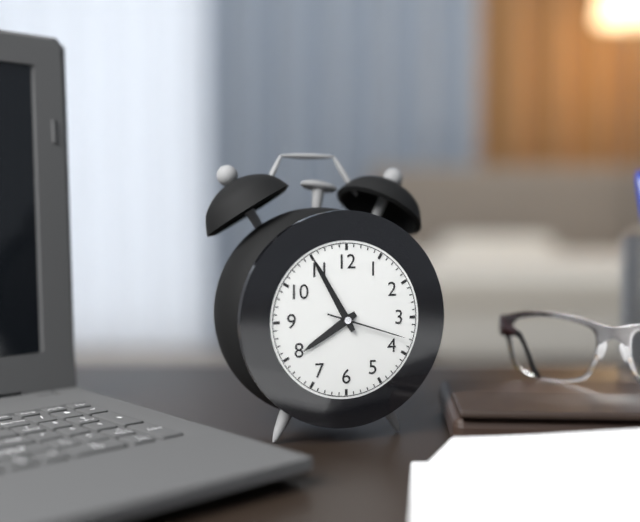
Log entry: 7:55:18
